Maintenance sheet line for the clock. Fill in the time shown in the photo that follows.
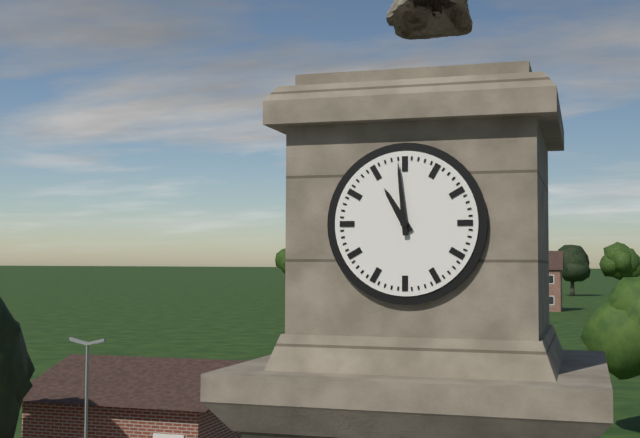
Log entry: 10:59
